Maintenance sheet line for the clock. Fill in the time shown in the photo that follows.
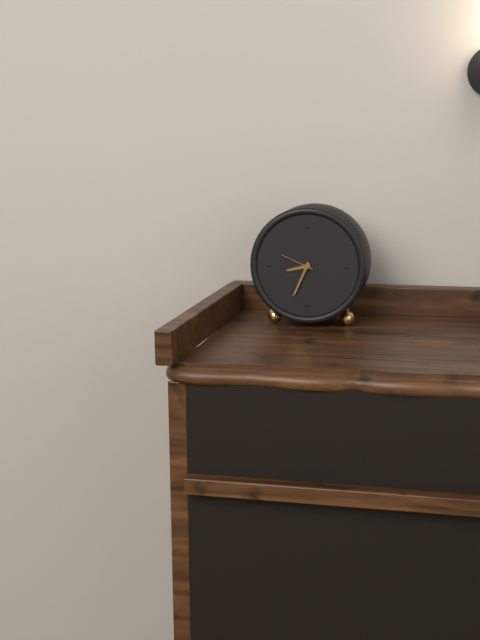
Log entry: 8:34
